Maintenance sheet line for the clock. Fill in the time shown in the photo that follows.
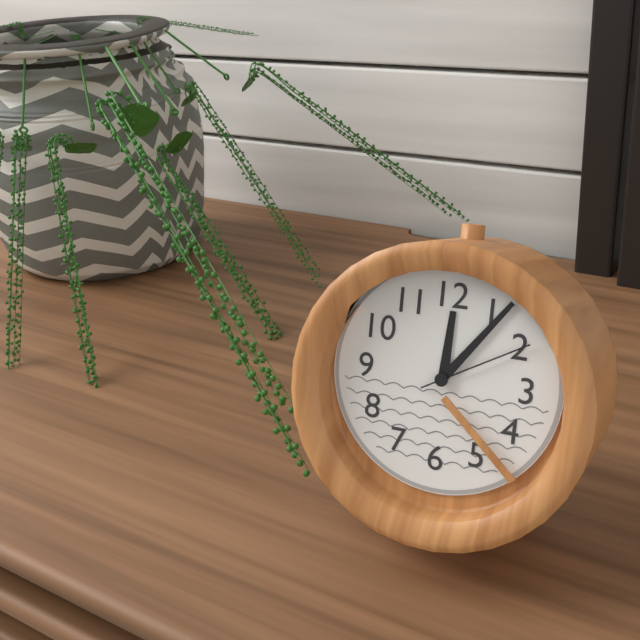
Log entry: 12:06:10
